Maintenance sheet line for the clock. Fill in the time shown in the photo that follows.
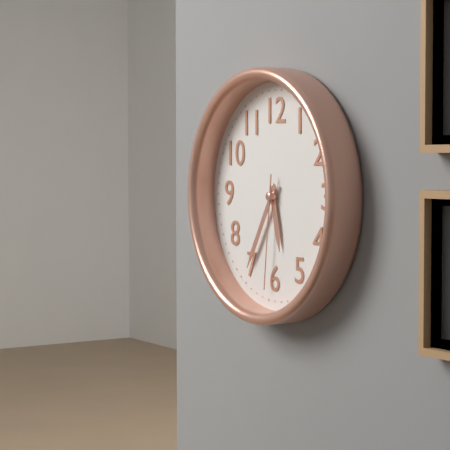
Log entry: 5:35:31
